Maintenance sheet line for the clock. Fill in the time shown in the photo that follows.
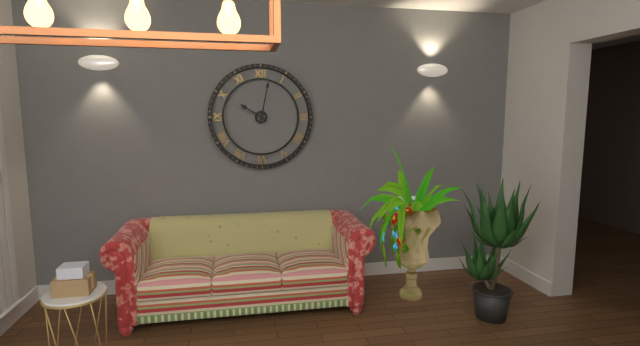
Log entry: 10:02
